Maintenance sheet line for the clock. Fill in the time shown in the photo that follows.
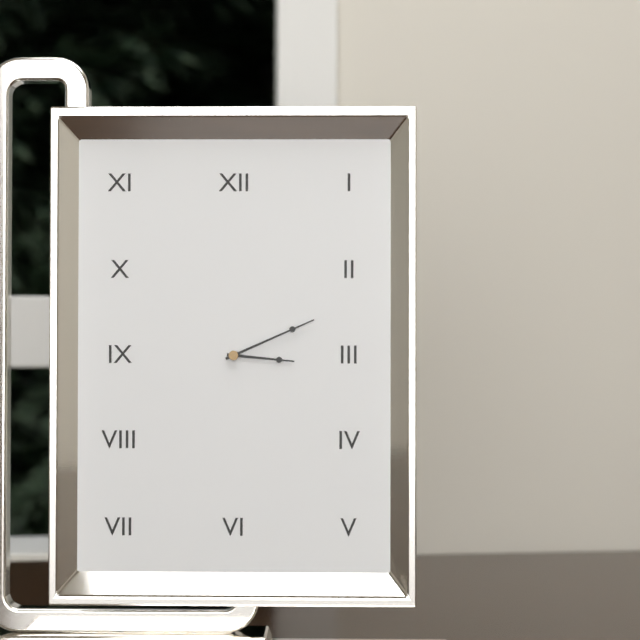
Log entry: 3:11
